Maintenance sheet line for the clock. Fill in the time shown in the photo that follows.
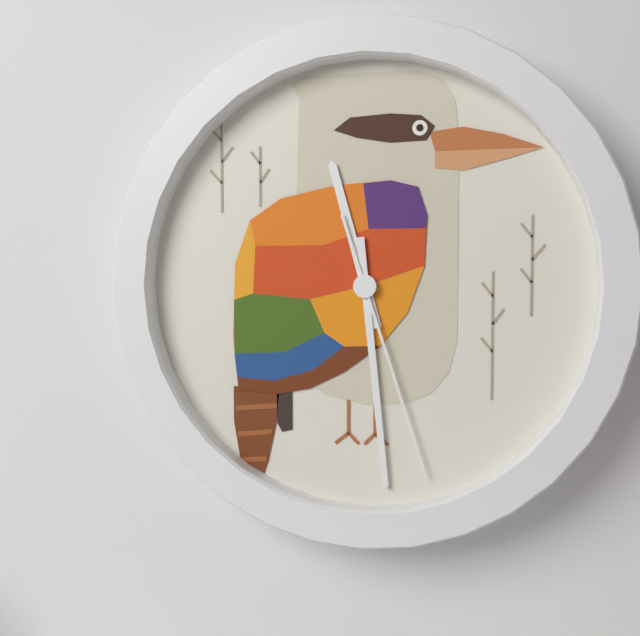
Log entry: 11:29:27
